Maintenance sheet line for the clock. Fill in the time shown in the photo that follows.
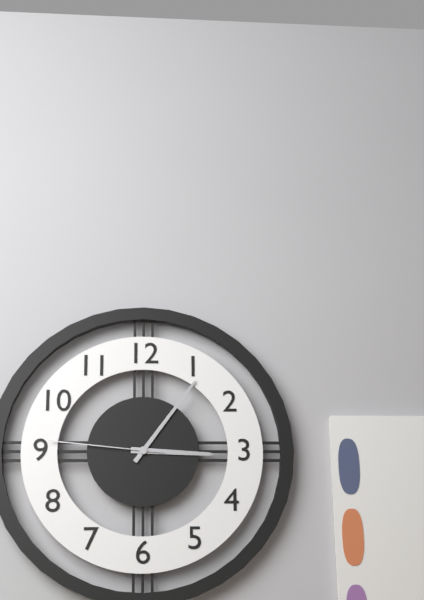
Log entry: 3:06:46
